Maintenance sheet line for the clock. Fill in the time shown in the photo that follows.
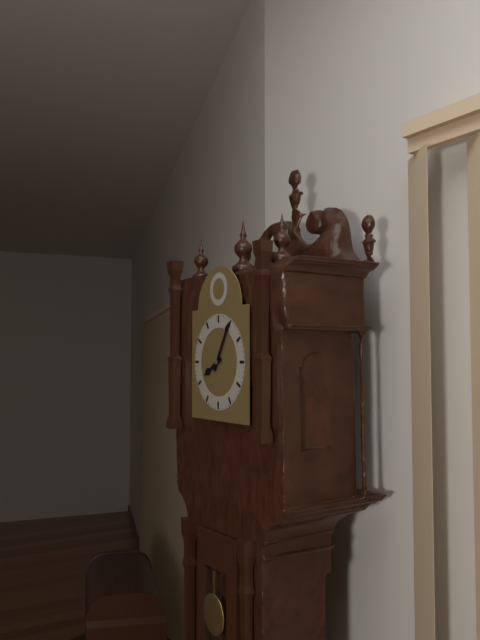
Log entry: 8:05
